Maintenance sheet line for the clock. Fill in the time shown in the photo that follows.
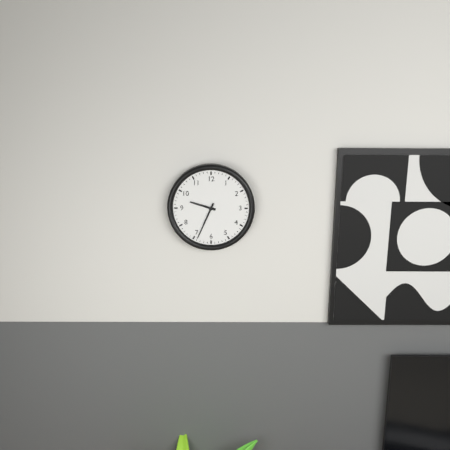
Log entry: 9:34
